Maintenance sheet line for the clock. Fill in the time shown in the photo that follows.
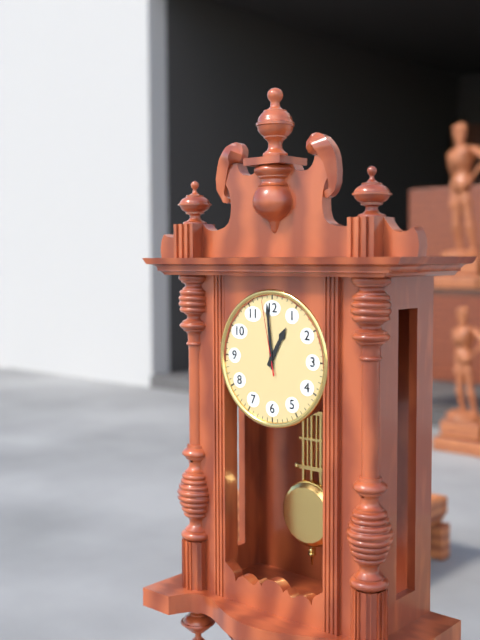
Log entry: 12:59:58
